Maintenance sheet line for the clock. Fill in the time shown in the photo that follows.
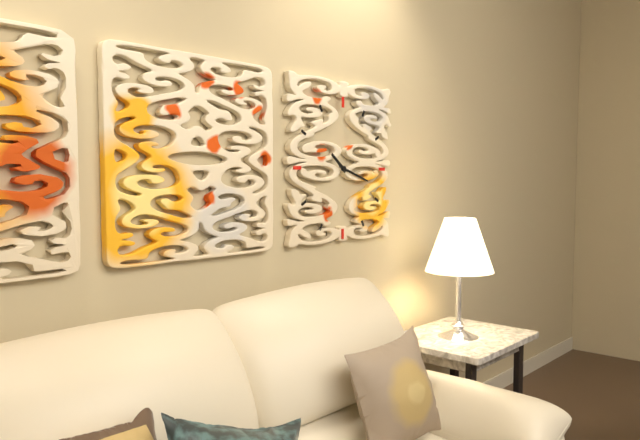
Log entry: 10:18
